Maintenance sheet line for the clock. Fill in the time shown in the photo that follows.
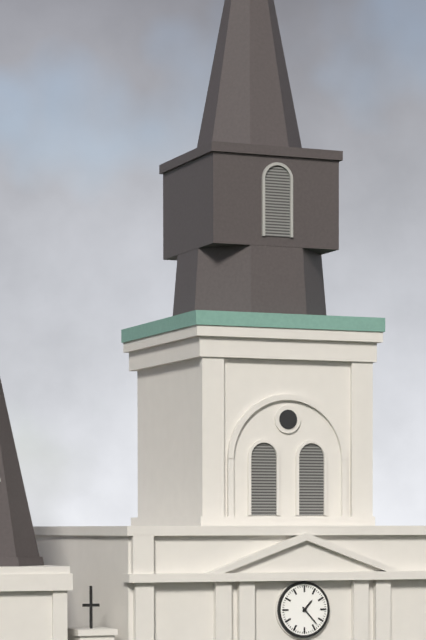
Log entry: 1:23
